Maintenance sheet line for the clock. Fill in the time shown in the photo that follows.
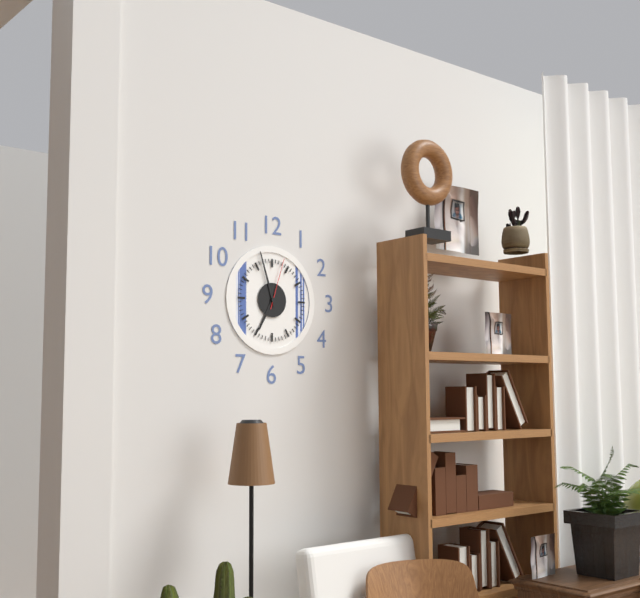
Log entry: 6:57:03
